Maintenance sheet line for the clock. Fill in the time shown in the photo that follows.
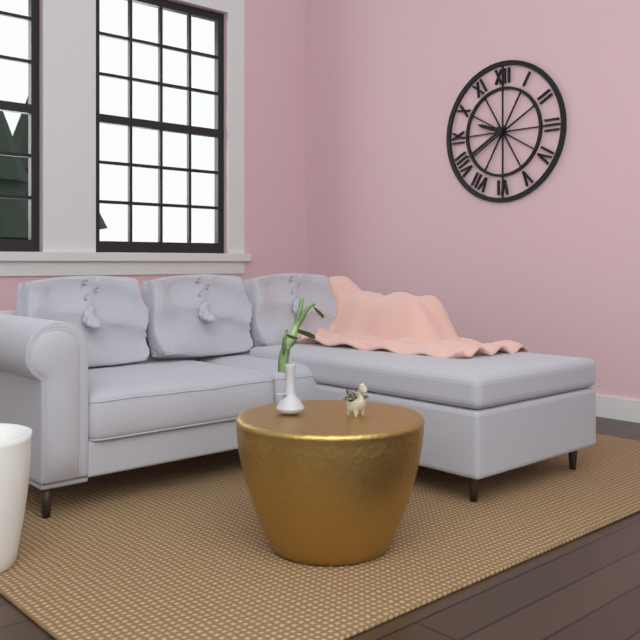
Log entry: 9:40
